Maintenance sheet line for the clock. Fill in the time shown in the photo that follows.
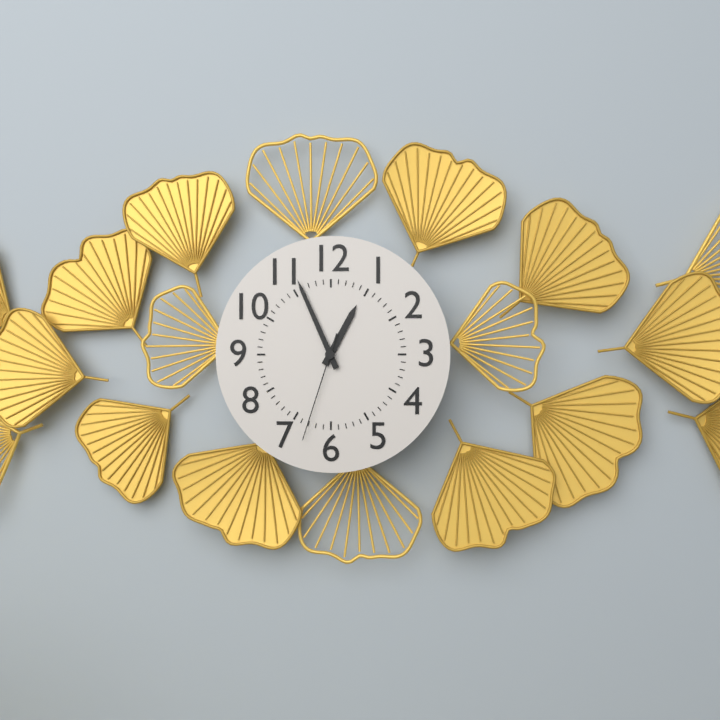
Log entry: 12:56:33
